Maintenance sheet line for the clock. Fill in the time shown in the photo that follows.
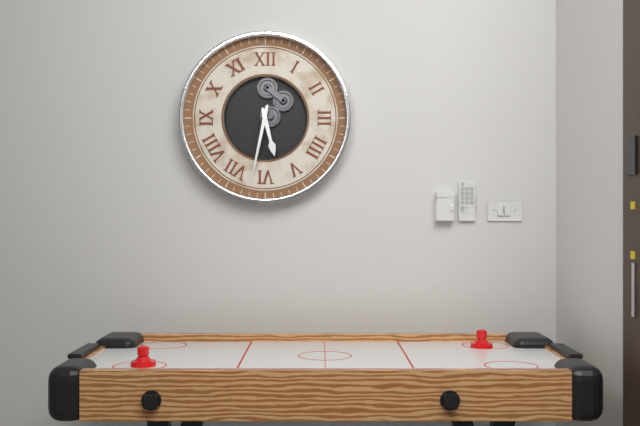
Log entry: 5:32
